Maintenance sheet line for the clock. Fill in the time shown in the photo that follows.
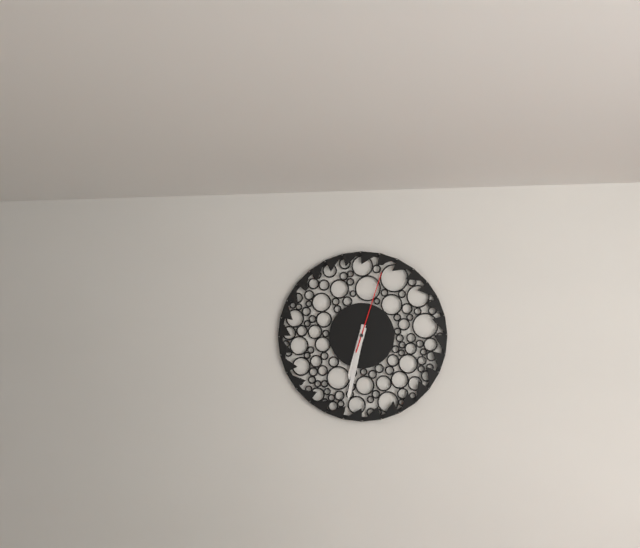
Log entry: 6:32:03
